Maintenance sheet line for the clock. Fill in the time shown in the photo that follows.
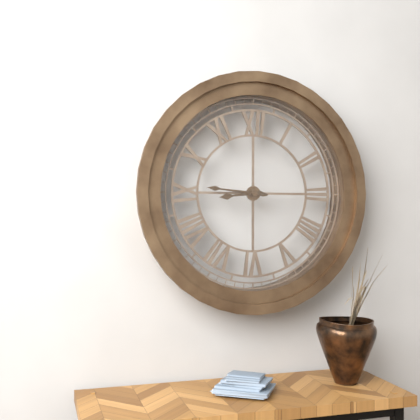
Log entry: 8:46
